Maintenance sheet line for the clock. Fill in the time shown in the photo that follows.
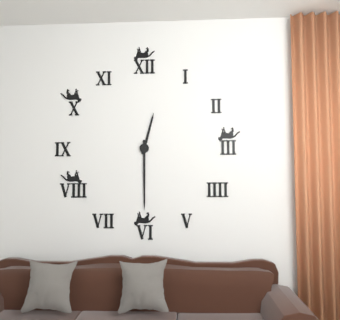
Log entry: 12:30
